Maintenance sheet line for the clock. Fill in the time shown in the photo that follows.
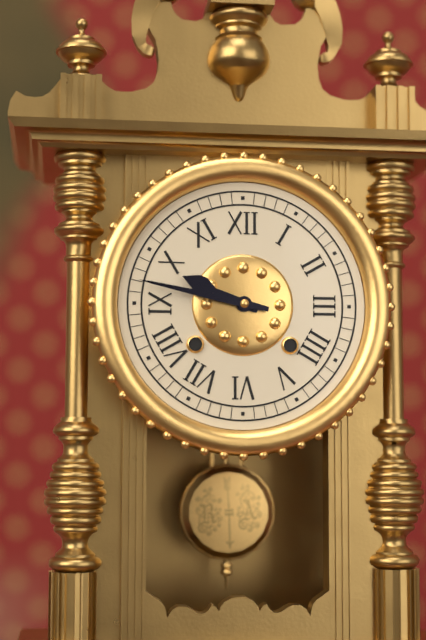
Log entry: 9:47
